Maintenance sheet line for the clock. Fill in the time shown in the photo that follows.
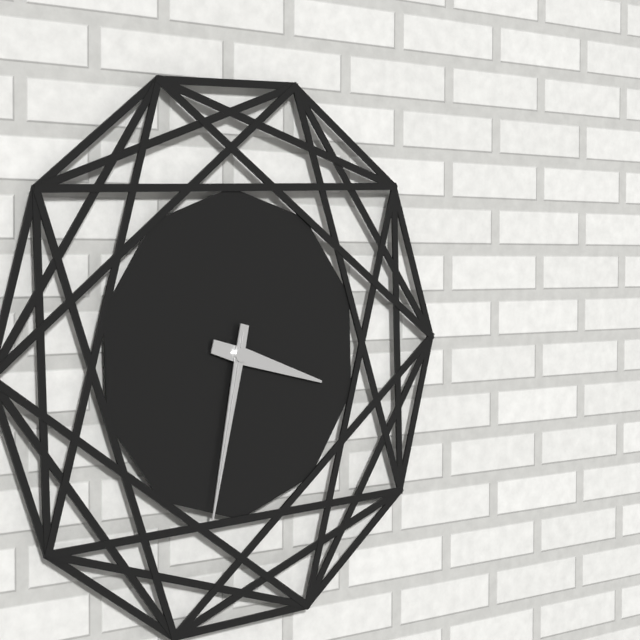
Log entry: 3:32:32
